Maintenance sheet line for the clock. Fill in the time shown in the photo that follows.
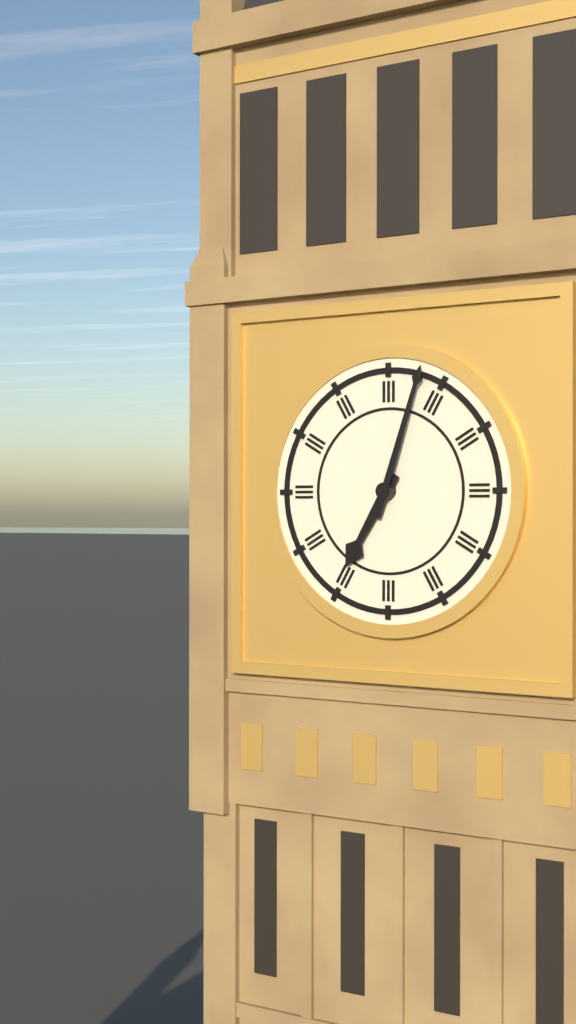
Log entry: 7:03
